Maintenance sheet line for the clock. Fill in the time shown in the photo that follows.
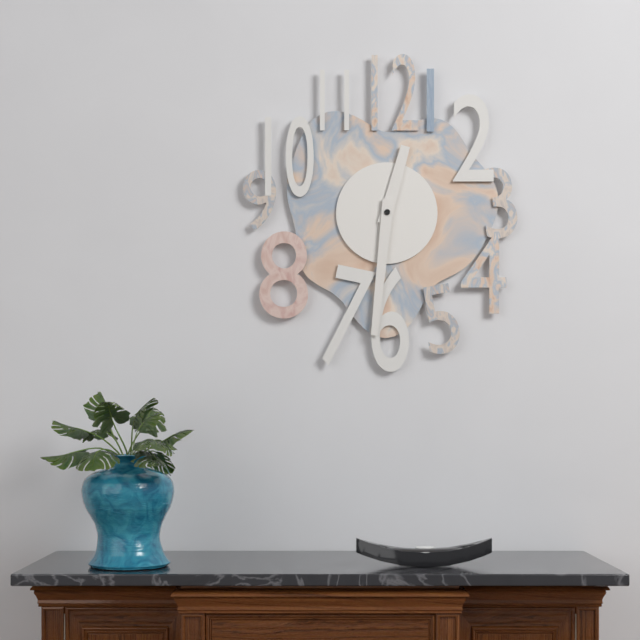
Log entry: 12:31
